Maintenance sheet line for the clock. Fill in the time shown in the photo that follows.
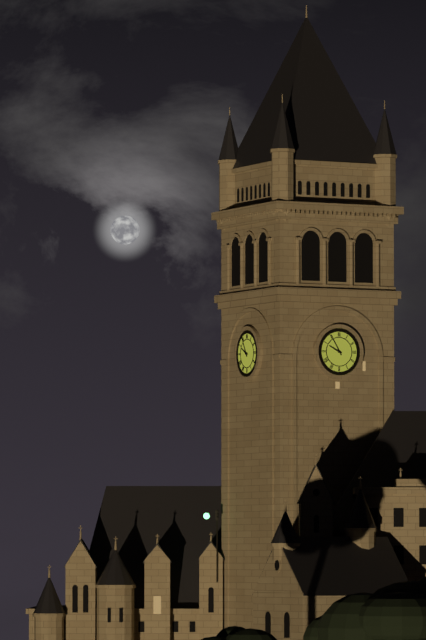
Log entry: 9:55
